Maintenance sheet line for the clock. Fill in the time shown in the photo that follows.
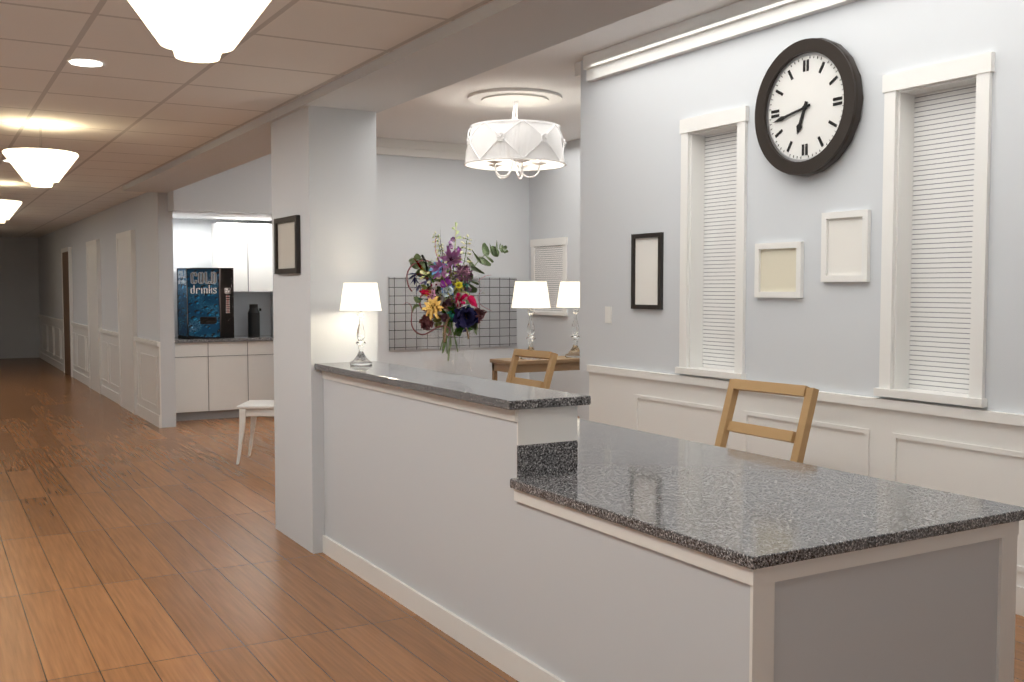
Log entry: 6:43
